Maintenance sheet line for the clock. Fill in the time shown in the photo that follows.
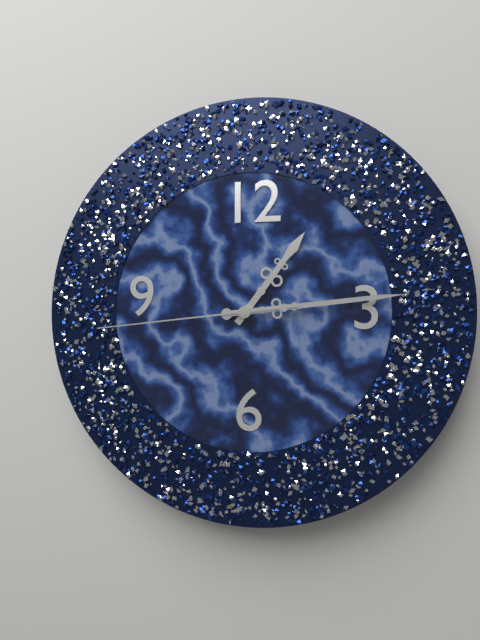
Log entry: 1:14:44
